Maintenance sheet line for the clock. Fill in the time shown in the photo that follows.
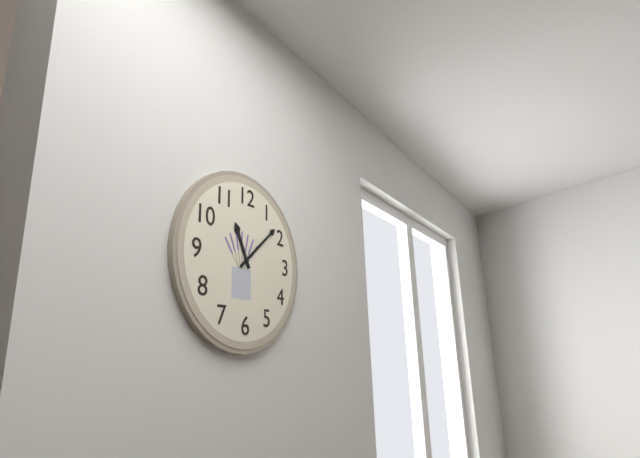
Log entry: 11:08
